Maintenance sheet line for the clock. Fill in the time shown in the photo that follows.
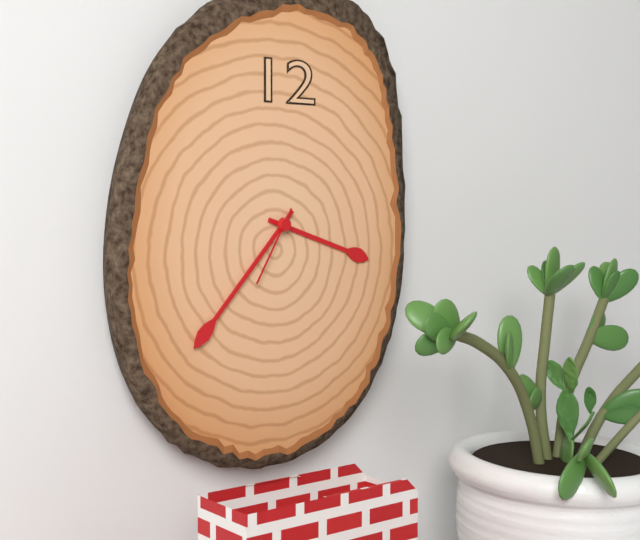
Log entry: 3:37:35
